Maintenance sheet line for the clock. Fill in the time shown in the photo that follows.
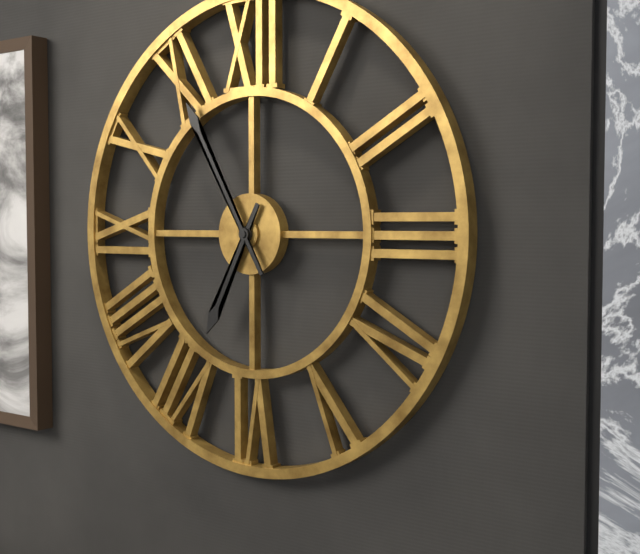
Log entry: 6:55
